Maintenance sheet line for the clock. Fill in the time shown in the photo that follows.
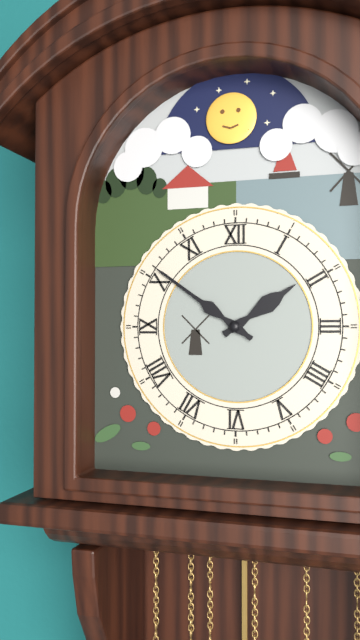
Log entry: 1:51
